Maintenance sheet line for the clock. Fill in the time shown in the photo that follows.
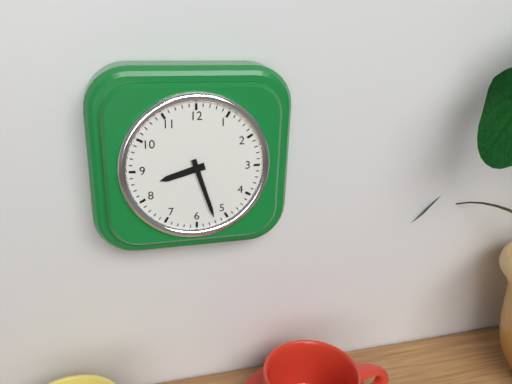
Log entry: 8:27
